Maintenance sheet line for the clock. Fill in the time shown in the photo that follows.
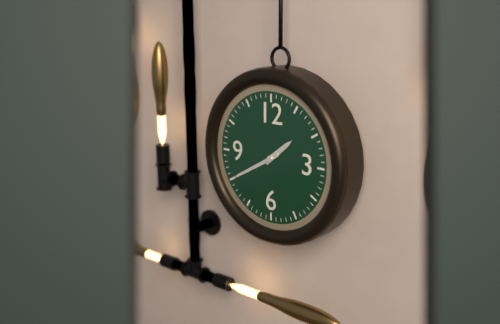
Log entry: 1:40
